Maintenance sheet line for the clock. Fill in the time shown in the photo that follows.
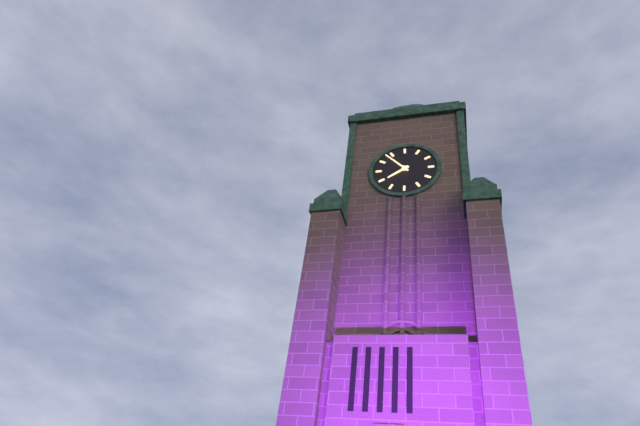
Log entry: 7:53
